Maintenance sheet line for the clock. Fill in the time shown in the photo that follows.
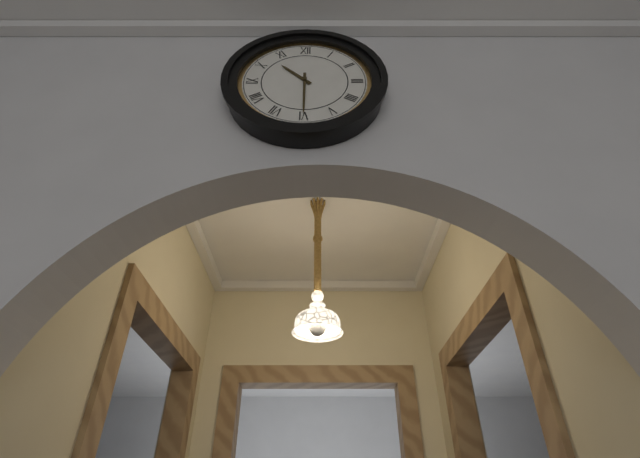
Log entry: 10:30
